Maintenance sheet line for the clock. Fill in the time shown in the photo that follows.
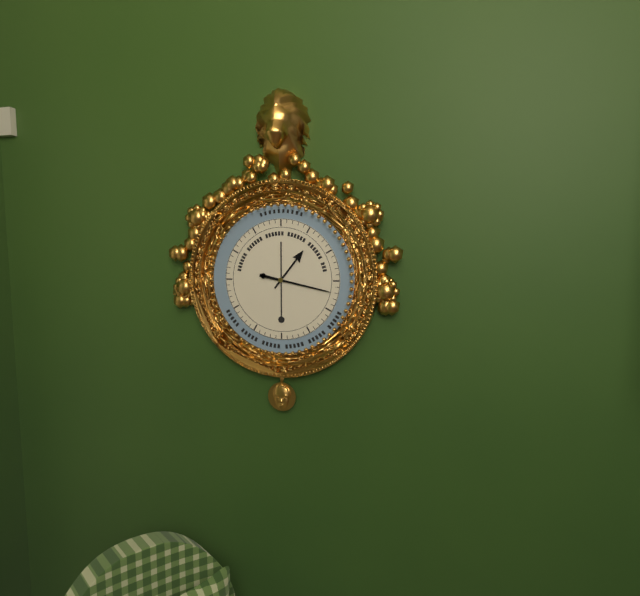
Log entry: 1:17
